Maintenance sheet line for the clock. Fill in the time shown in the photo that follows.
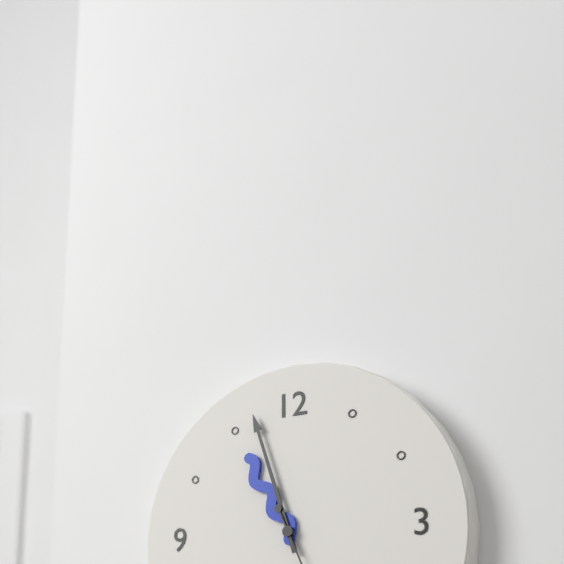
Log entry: 10:57
